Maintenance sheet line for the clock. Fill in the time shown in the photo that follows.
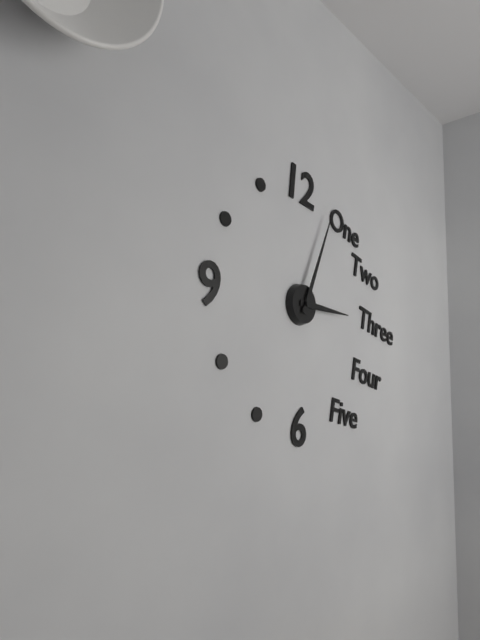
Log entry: 3:04
